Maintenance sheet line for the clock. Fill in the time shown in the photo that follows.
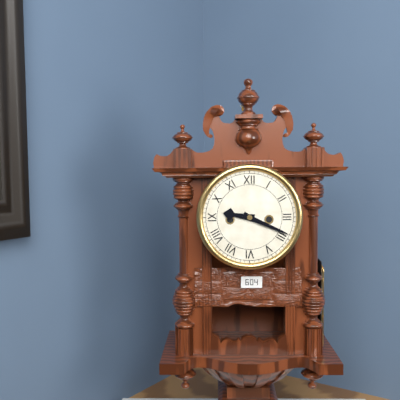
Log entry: 9:19
